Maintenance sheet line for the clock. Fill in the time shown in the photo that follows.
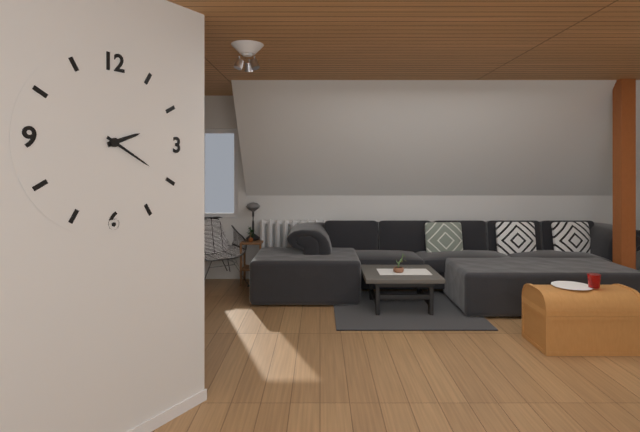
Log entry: 2:20
